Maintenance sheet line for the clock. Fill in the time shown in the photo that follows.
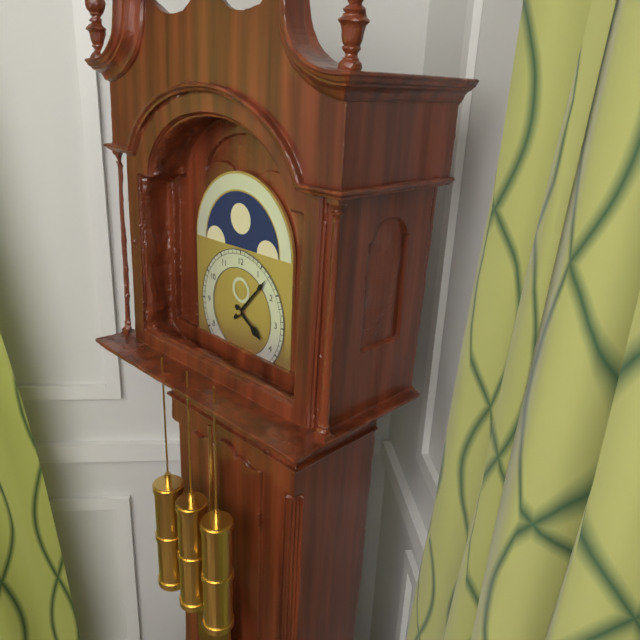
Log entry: 4:07
